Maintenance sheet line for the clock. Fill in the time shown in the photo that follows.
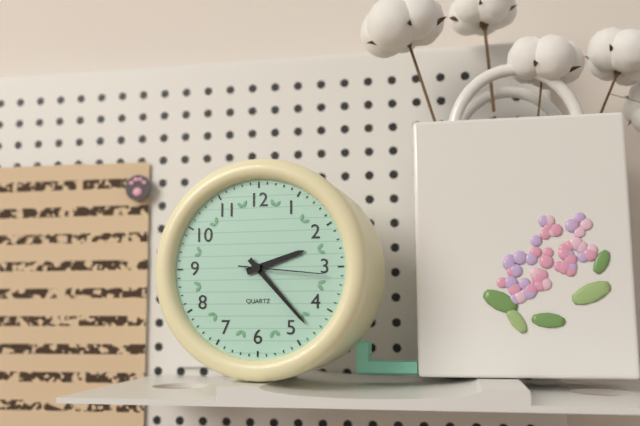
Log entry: 2:23:16
